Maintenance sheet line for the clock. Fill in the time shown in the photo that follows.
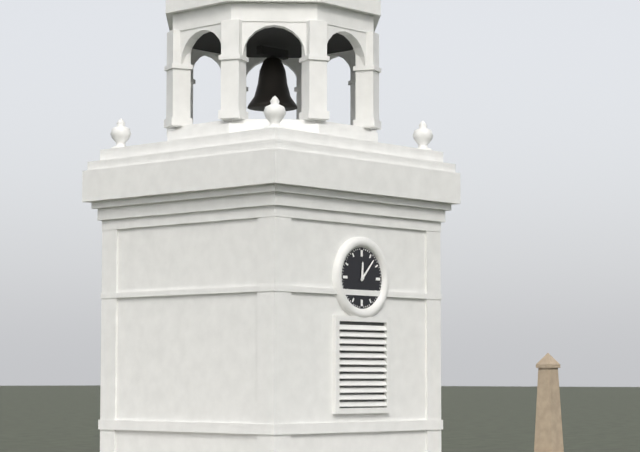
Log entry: 12:07
